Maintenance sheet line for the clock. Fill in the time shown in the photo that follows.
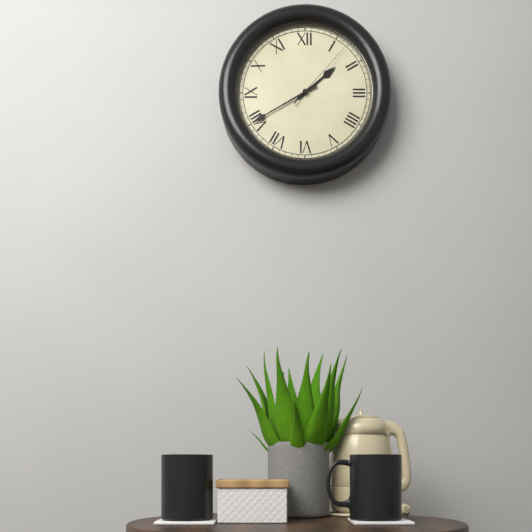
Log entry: 1:40:07
